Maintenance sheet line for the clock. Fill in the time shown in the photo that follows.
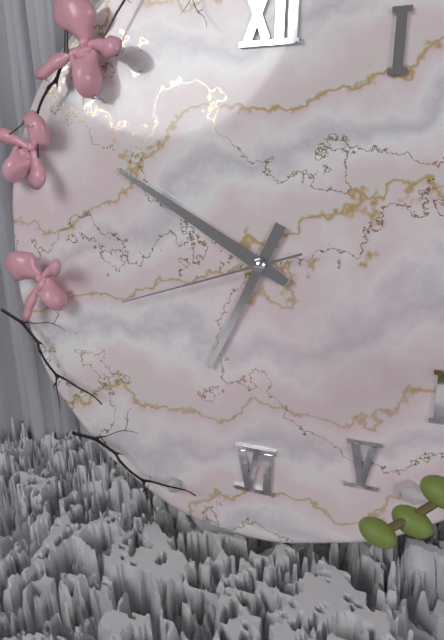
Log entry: 6:50:42
